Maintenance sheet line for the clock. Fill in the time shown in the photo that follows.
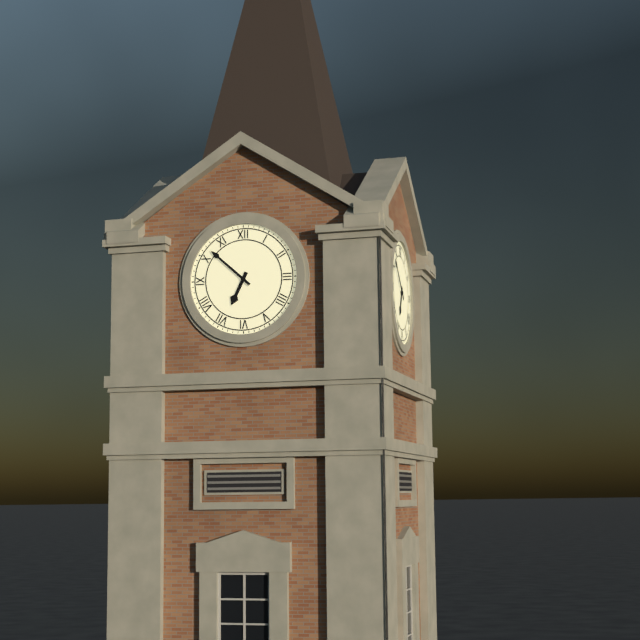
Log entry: 6:52
